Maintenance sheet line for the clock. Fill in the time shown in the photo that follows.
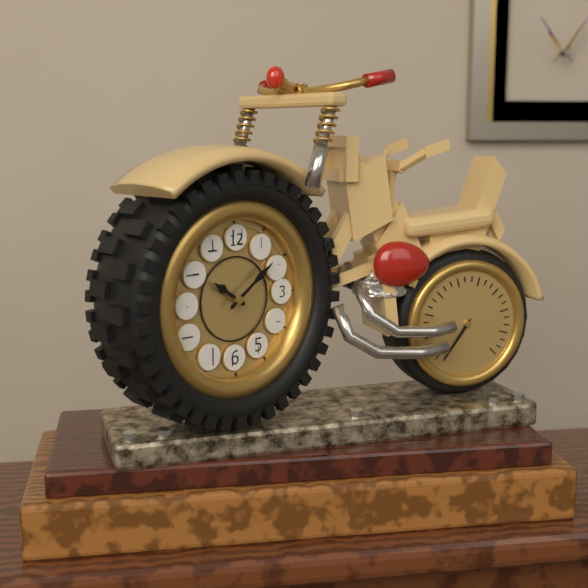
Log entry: 10:09
